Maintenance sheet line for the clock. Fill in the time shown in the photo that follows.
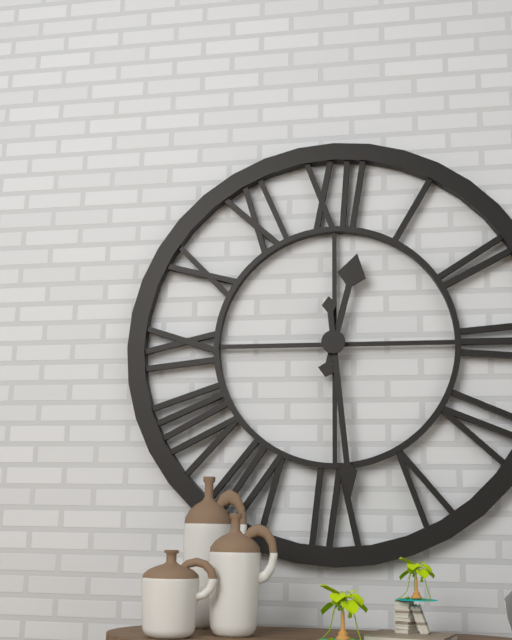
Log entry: 12:29
